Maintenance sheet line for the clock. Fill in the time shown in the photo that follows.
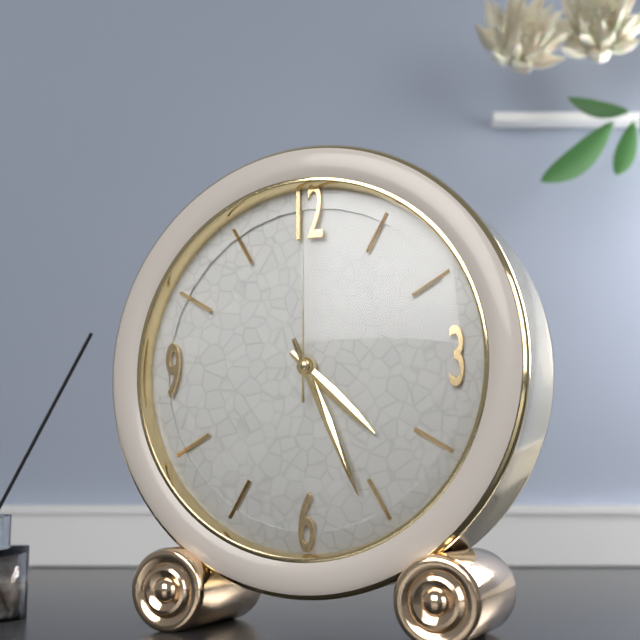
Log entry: 4:26:00
